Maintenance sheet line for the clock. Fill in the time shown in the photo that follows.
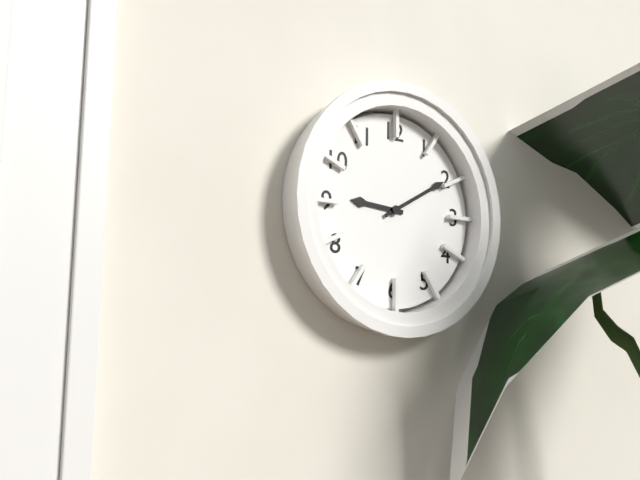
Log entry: 9:10
